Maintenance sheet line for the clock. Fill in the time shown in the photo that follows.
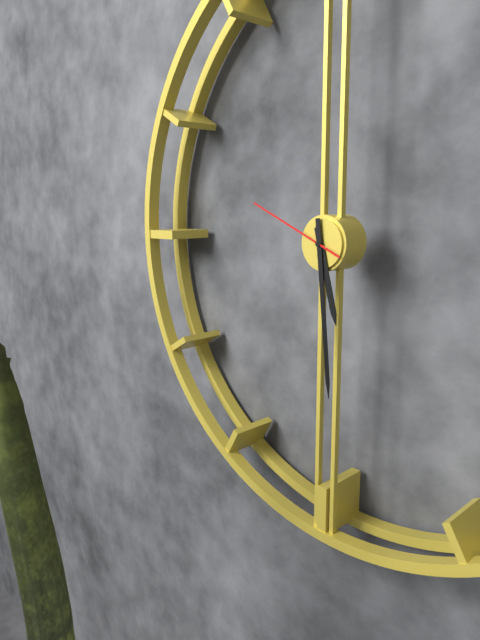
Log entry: 5:29:49
